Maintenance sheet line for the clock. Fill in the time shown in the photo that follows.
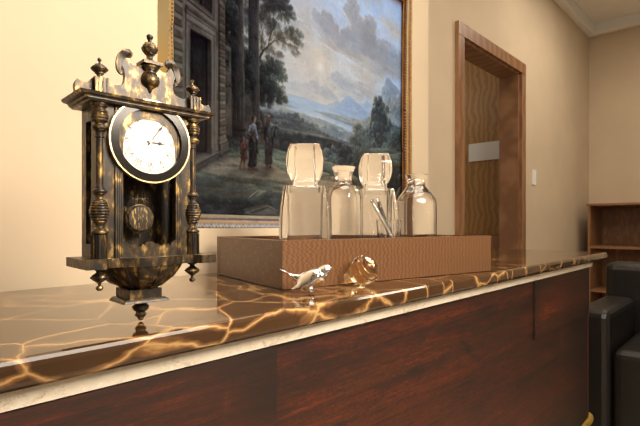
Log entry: 3:06
